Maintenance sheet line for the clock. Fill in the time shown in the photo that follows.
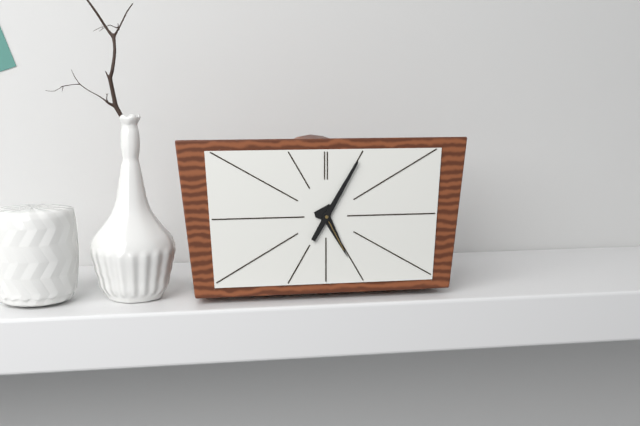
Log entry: 5:05
